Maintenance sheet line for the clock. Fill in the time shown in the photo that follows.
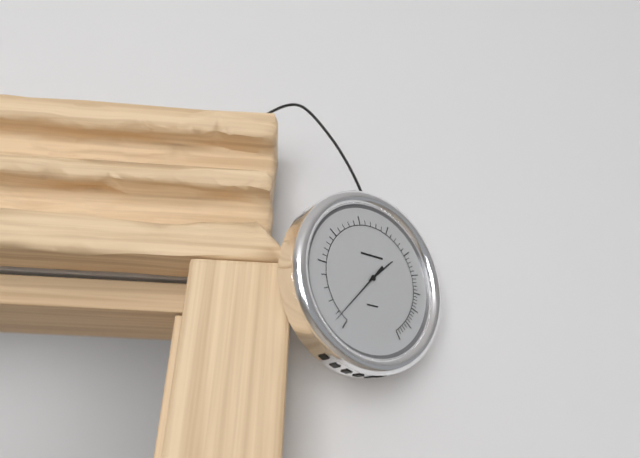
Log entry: 1:37
